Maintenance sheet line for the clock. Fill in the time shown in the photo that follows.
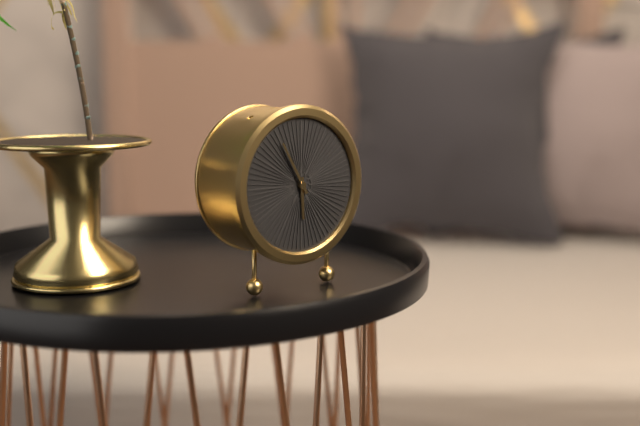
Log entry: 5:55
